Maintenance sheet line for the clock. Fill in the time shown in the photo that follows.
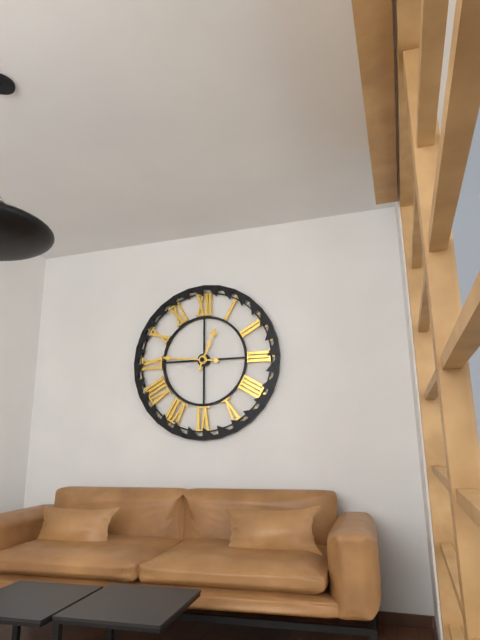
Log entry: 12:46
